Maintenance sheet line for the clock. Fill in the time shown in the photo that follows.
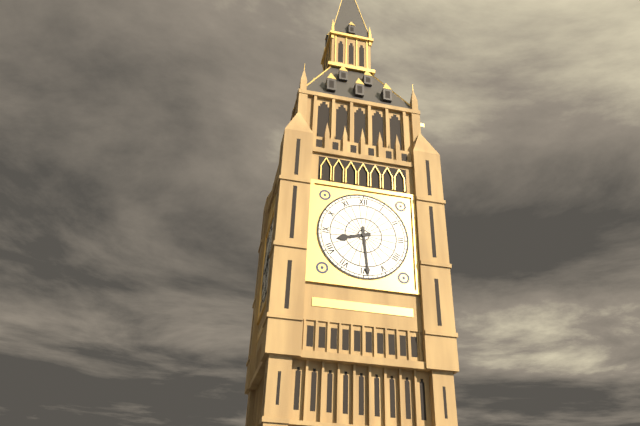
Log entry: 8:29
